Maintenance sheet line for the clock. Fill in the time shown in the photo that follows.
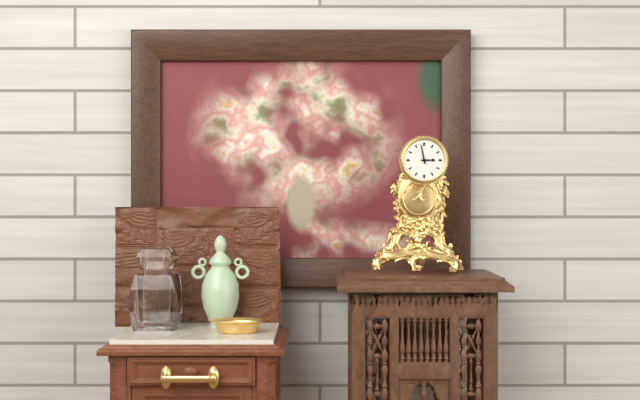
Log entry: 2:58
